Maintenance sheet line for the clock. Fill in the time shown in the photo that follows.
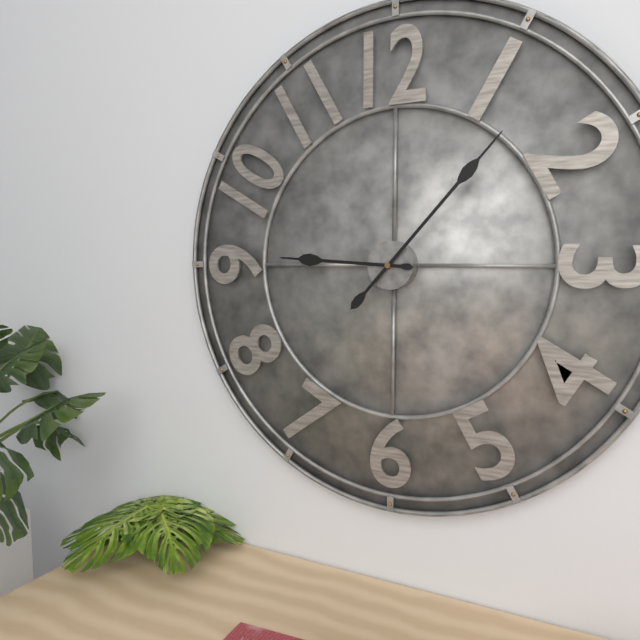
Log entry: 9:07
